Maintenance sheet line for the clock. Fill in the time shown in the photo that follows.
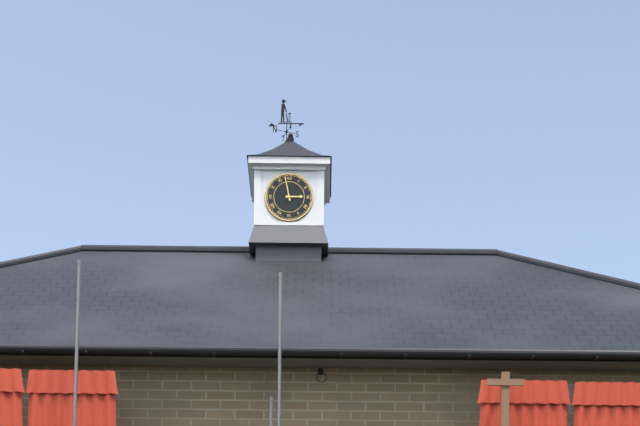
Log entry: 2:58
